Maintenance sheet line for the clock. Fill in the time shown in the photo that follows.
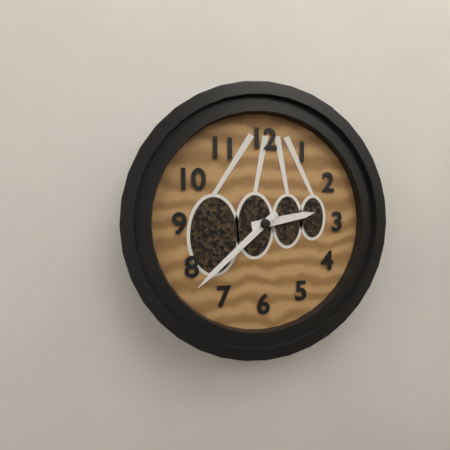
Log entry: 2:38
